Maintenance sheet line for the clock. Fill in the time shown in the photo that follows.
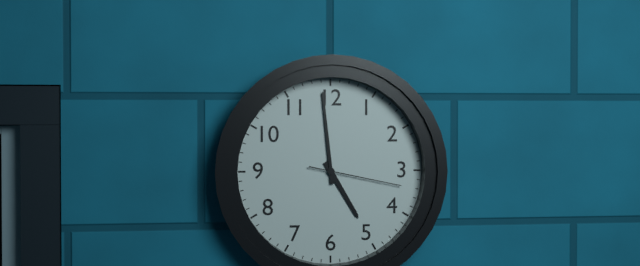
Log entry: 4:59:17
